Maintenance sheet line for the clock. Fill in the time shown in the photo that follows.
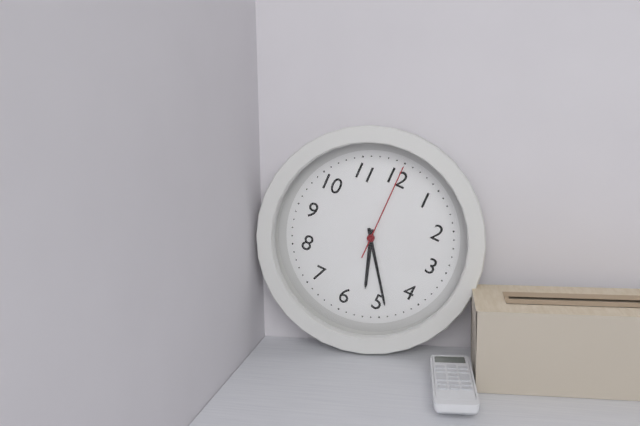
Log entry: 5:24:00
